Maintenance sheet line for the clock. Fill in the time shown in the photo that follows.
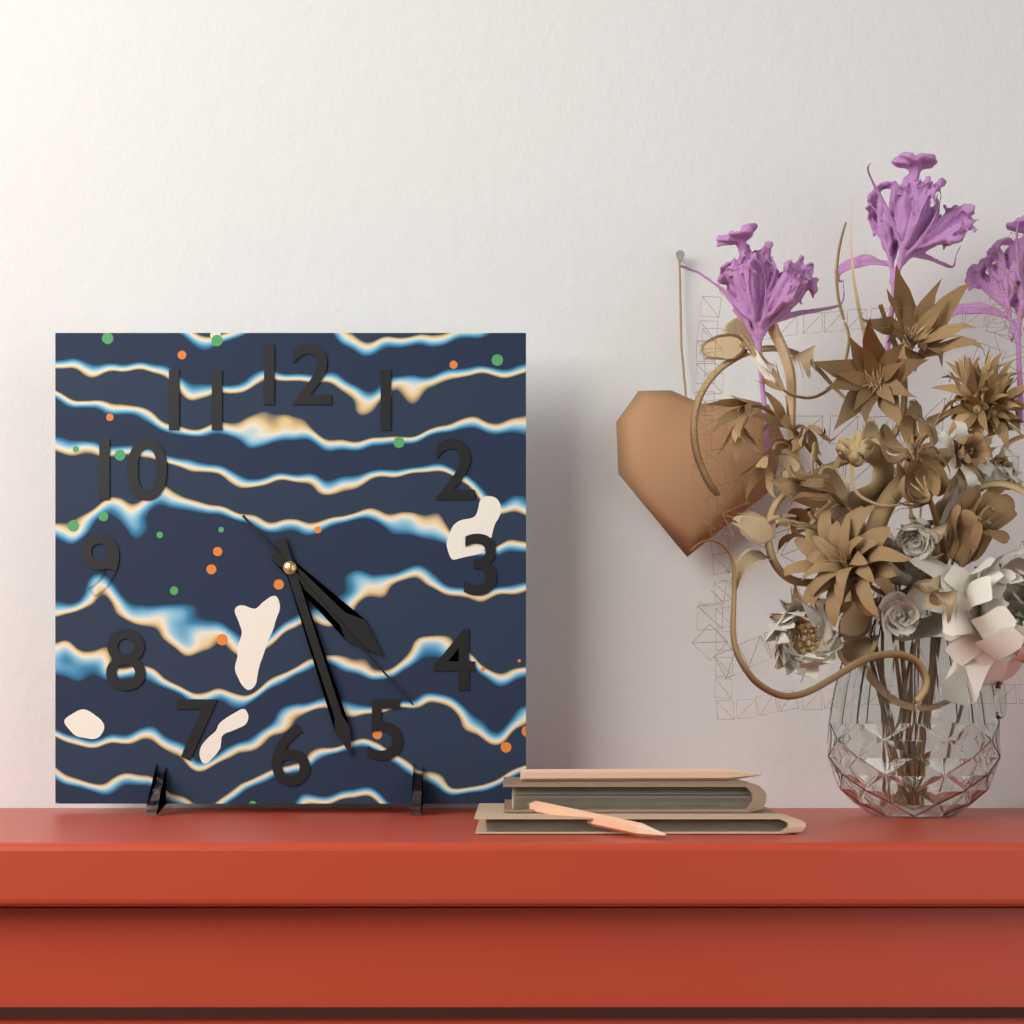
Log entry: 4:27:23
